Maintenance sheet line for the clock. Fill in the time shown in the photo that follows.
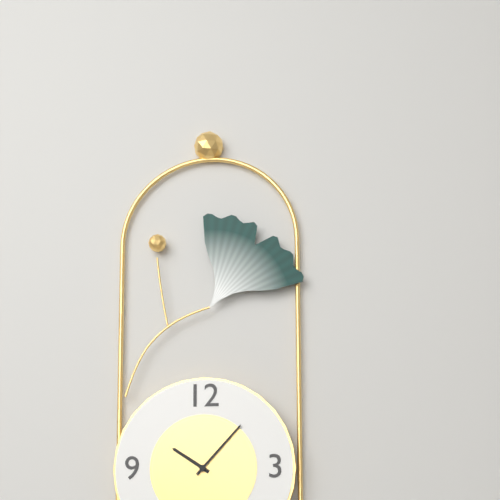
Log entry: 10:07
